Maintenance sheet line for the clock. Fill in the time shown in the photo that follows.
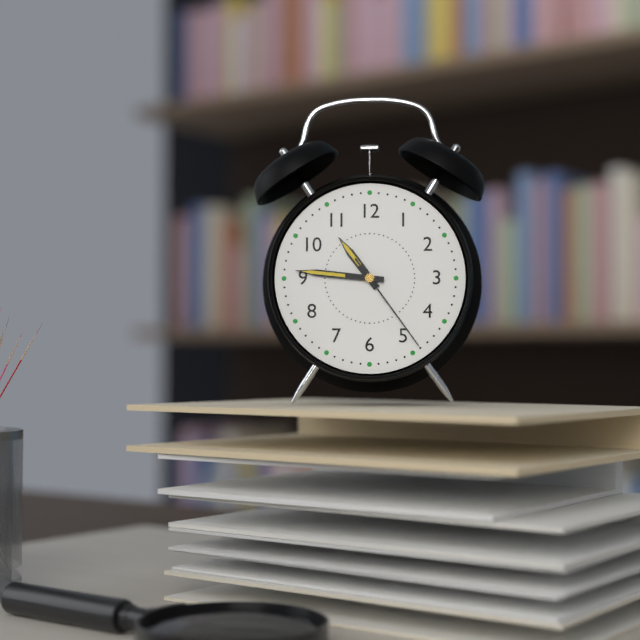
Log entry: 10:46:24
